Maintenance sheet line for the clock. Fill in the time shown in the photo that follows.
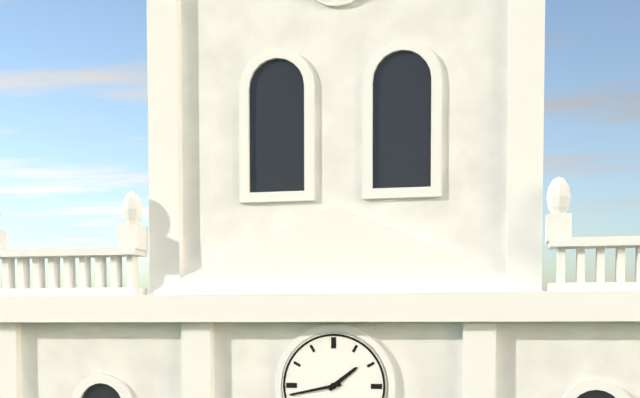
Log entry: 1:43
